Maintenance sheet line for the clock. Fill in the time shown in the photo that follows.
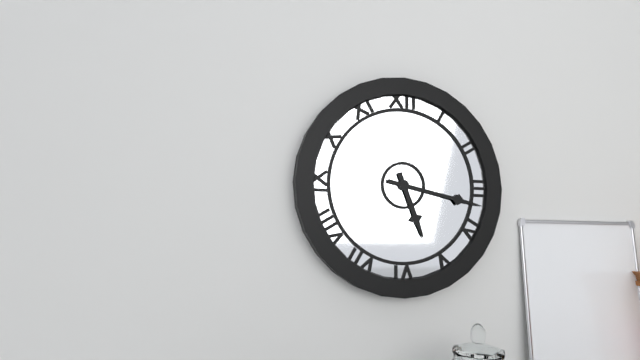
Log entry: 5:17
